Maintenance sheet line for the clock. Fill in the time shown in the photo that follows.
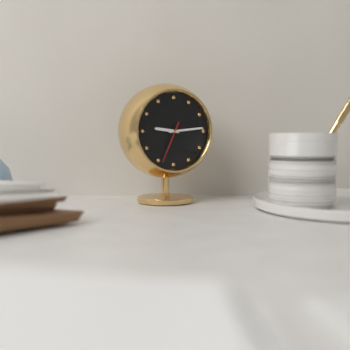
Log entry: 9:14
